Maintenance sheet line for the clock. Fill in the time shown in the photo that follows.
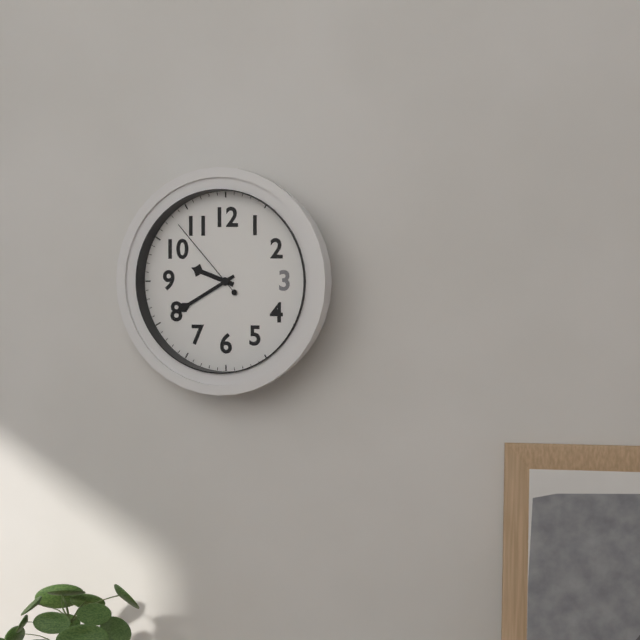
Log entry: 9:40:53
